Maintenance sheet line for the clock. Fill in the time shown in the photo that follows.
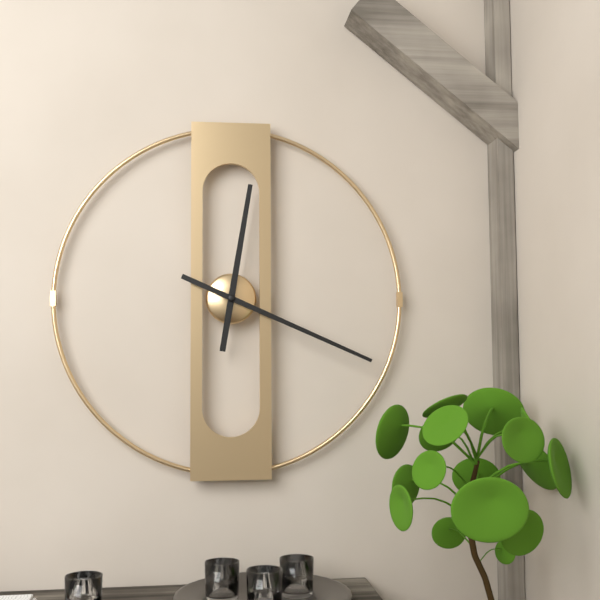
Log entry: 12:19
